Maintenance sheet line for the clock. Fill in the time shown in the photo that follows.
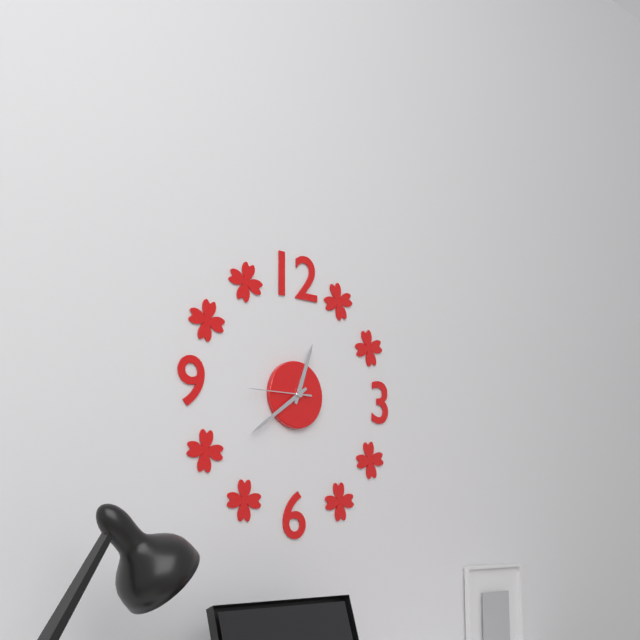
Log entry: 12:39:45
